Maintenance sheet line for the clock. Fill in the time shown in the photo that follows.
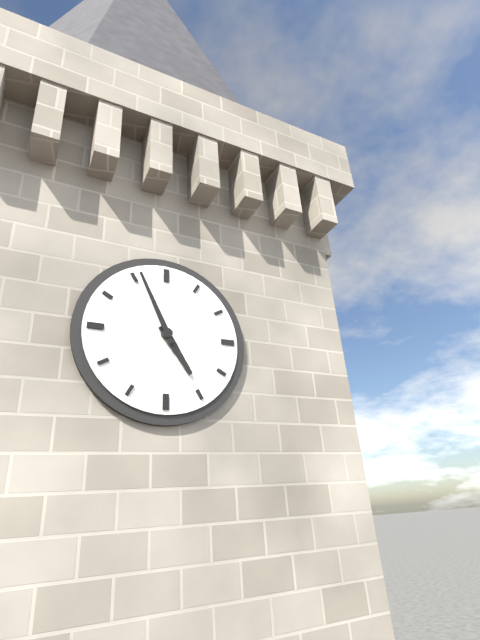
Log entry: 4:56
